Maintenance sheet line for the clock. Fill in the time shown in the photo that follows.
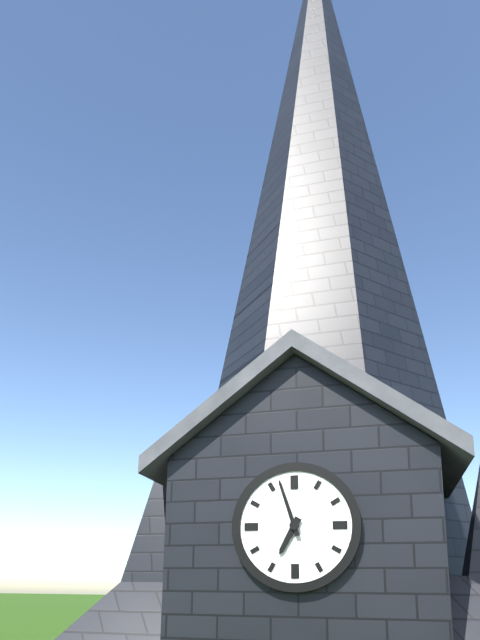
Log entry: 6:57
